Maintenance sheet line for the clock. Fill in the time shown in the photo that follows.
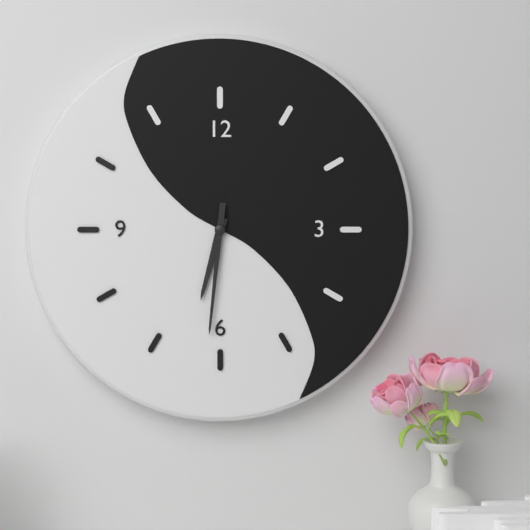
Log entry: 6:31
